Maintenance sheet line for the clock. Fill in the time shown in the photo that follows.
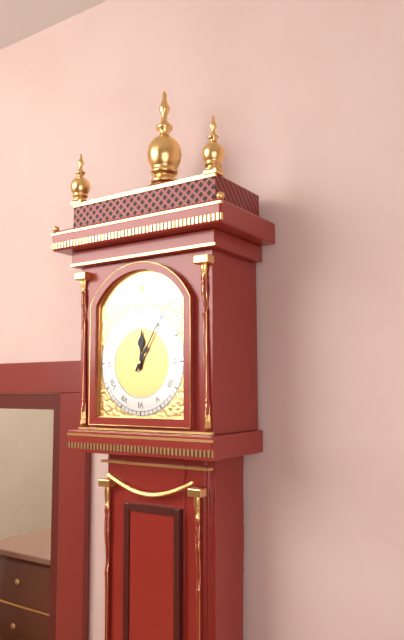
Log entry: 12:05
